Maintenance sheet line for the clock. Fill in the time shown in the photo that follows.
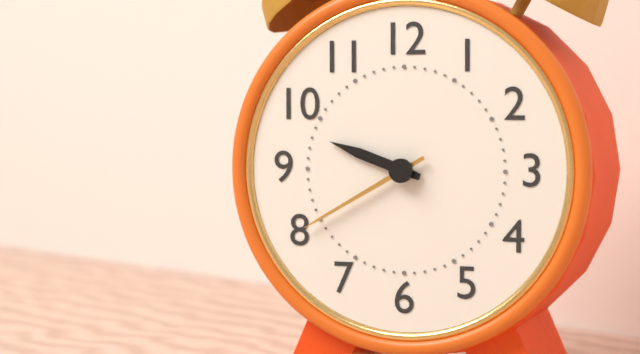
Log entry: 9:40
